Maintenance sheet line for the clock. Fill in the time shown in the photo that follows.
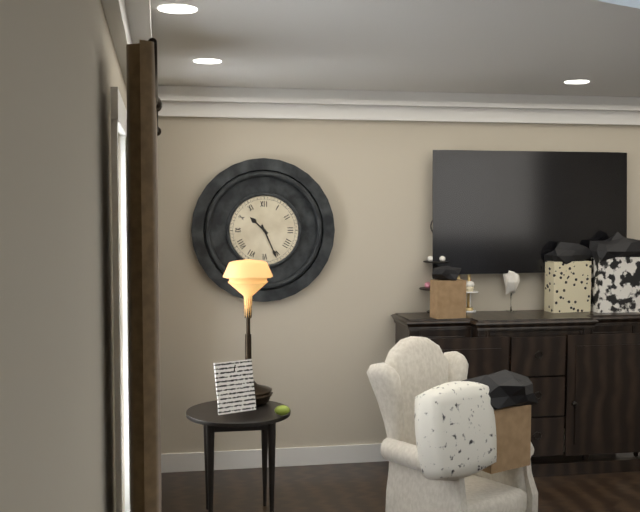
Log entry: 10:26
